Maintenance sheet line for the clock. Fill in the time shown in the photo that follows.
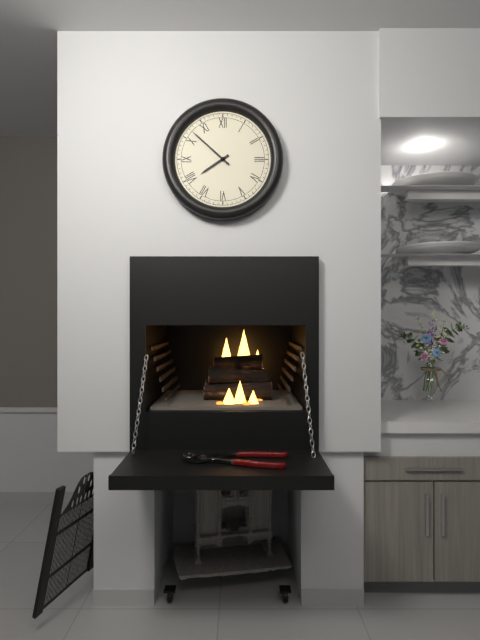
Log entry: 7:52
